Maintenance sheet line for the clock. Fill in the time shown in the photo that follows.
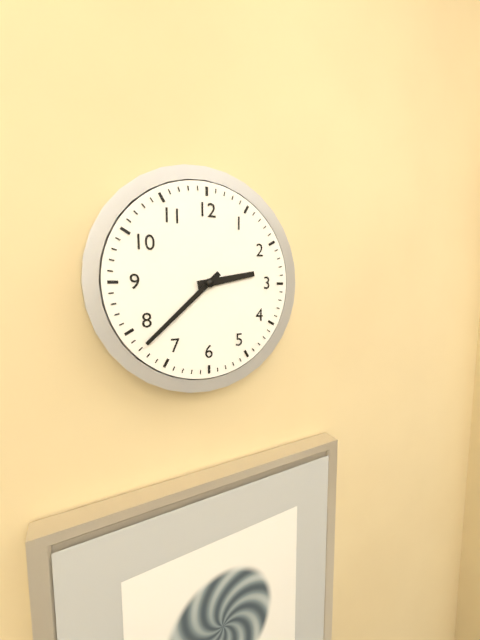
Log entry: 2:38
